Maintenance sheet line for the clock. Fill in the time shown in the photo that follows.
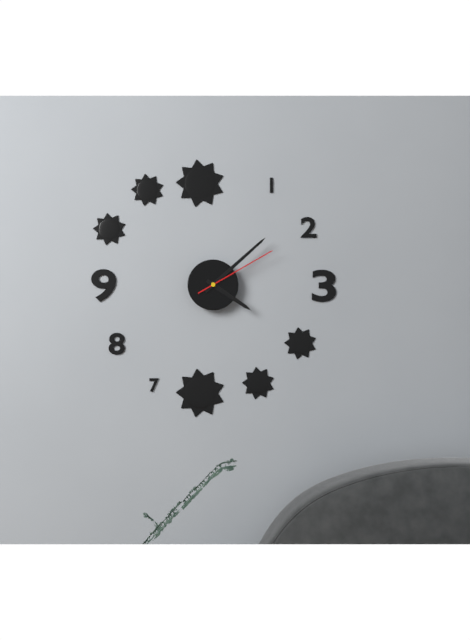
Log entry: 4:08:10
